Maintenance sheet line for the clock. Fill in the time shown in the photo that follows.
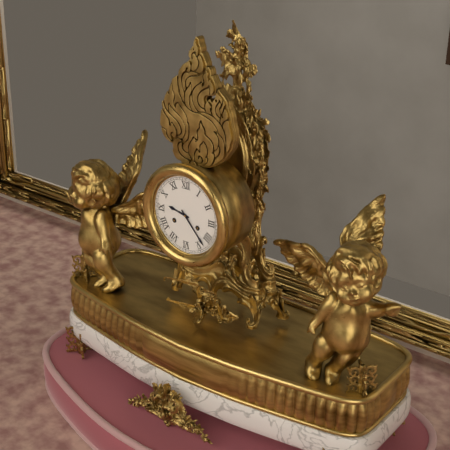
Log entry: 9:23
